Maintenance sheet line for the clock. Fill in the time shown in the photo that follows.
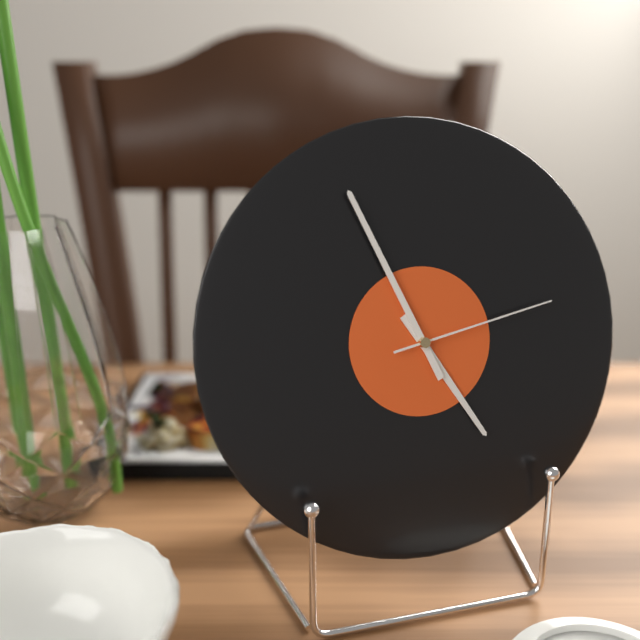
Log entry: 4:56:13
